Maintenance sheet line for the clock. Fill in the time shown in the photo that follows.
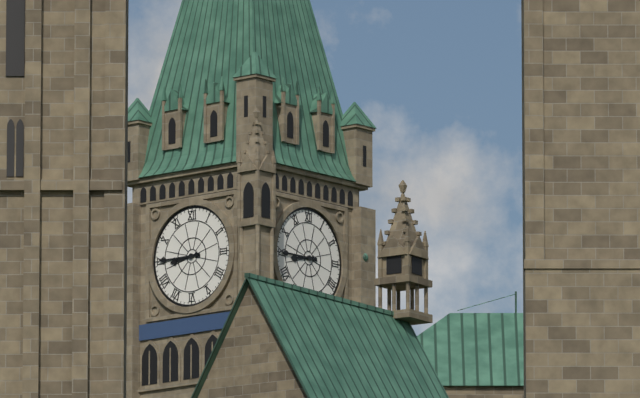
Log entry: 8:45
